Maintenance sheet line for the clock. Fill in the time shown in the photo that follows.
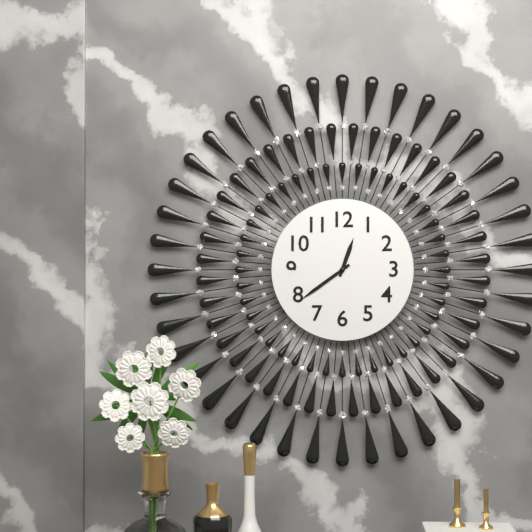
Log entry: 12:39
